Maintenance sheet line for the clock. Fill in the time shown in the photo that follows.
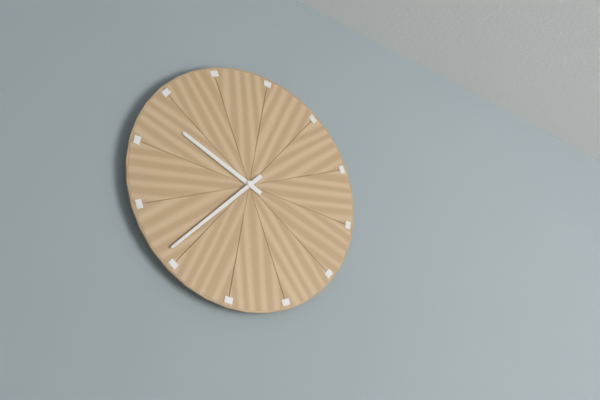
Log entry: 9:36
